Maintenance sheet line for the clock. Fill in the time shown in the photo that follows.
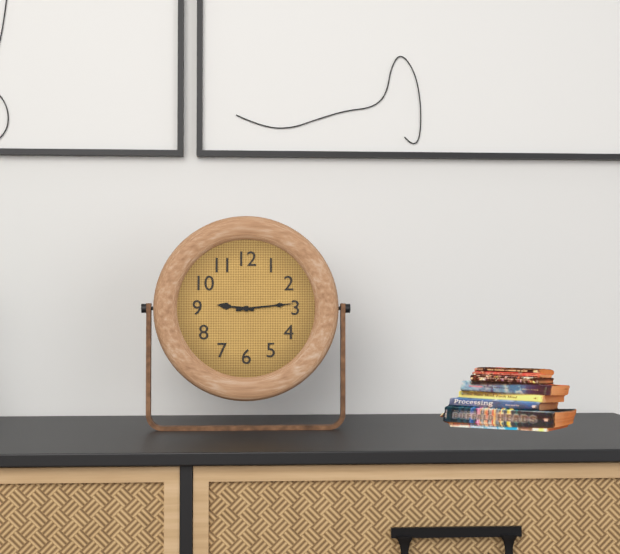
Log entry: 9:14
